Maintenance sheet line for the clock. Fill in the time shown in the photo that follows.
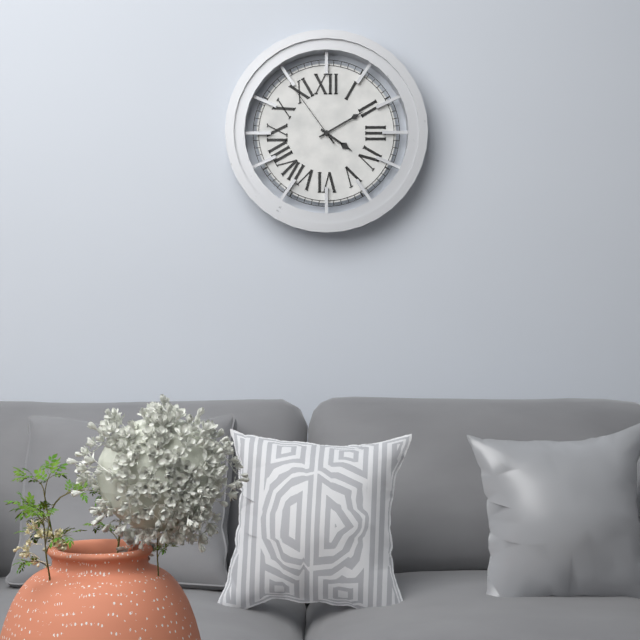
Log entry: 4:10:54
